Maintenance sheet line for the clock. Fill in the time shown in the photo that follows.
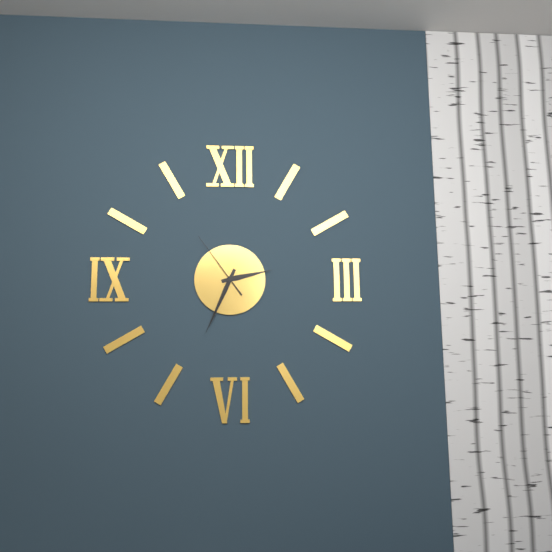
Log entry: 2:34:54
